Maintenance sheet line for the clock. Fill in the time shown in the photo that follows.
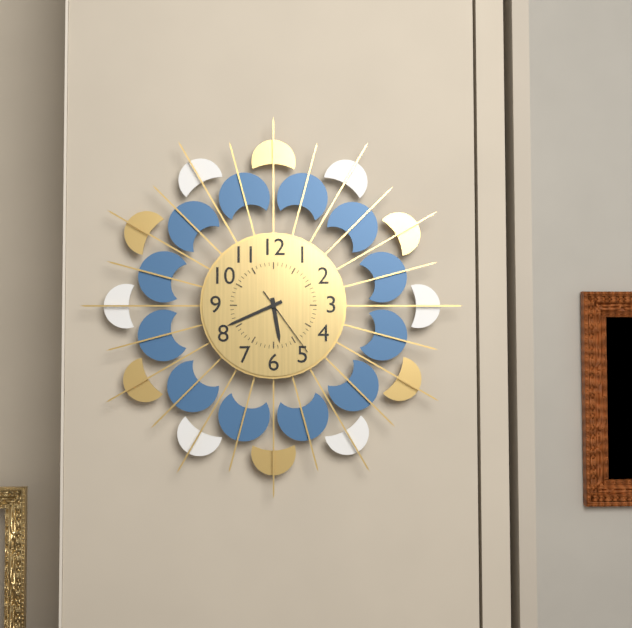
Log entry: 5:41:24
